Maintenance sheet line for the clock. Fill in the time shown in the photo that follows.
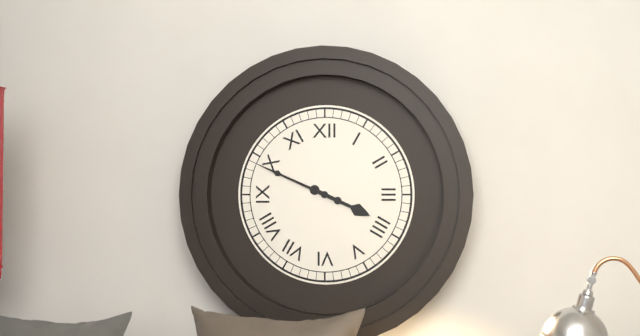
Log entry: 3:49
